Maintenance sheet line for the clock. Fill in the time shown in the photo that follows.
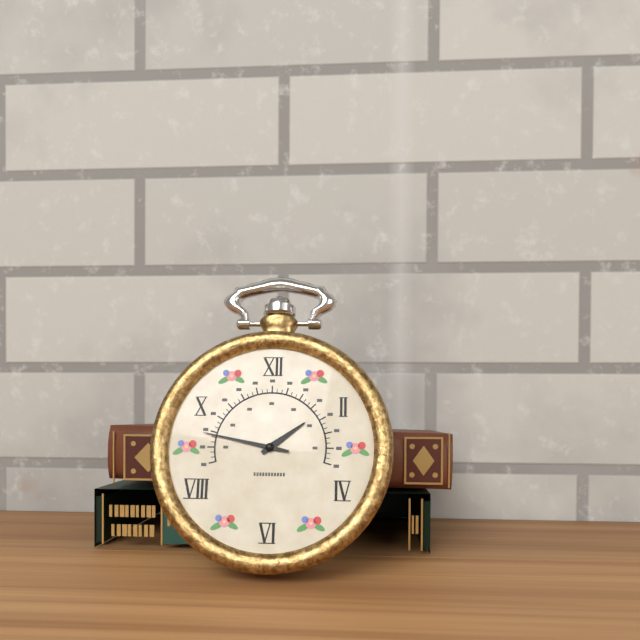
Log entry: 1:47
